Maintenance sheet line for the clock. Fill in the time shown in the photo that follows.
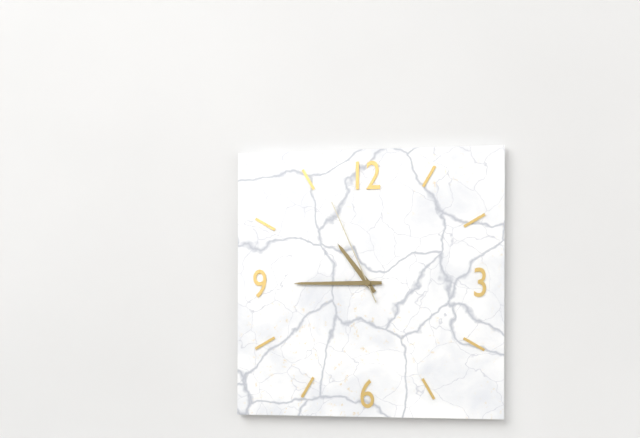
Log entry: 10:45:56
